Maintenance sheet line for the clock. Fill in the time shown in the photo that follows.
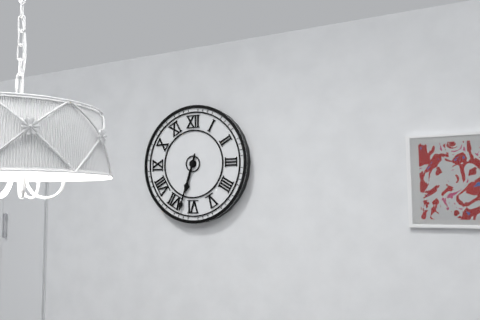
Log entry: 6:33
